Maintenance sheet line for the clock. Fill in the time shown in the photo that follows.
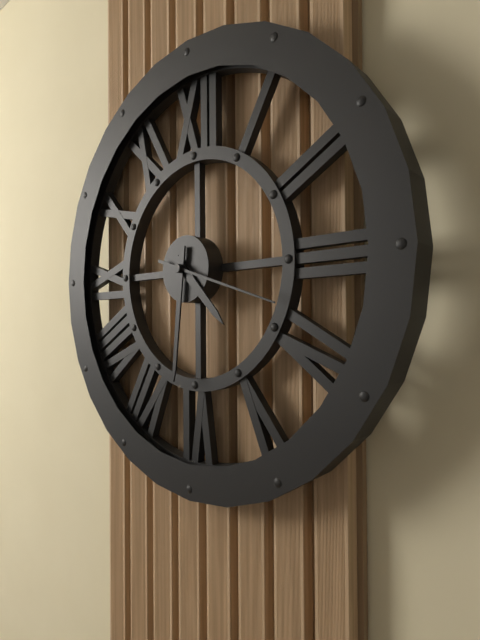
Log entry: 4:31:18
